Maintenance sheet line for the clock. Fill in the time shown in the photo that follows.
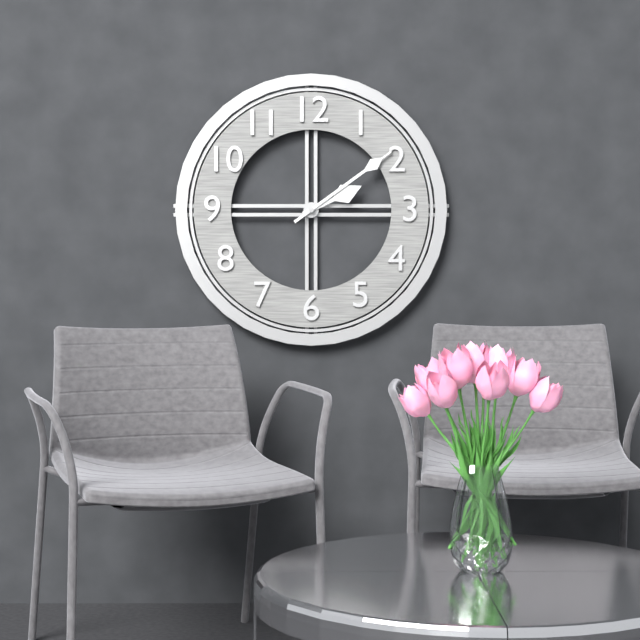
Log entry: 2:09
